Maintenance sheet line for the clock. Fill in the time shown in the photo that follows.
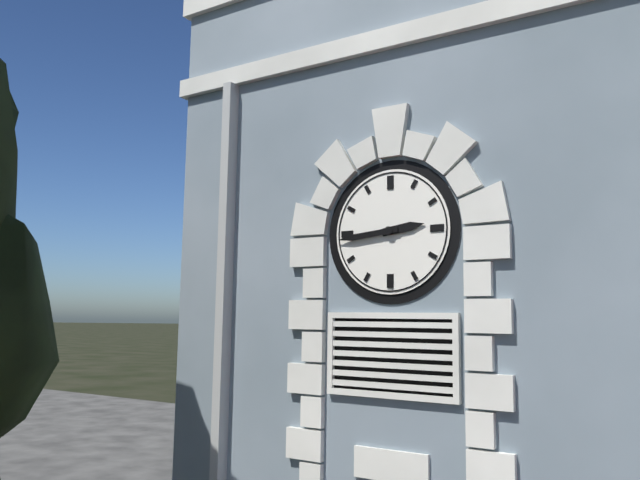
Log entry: 2:44
